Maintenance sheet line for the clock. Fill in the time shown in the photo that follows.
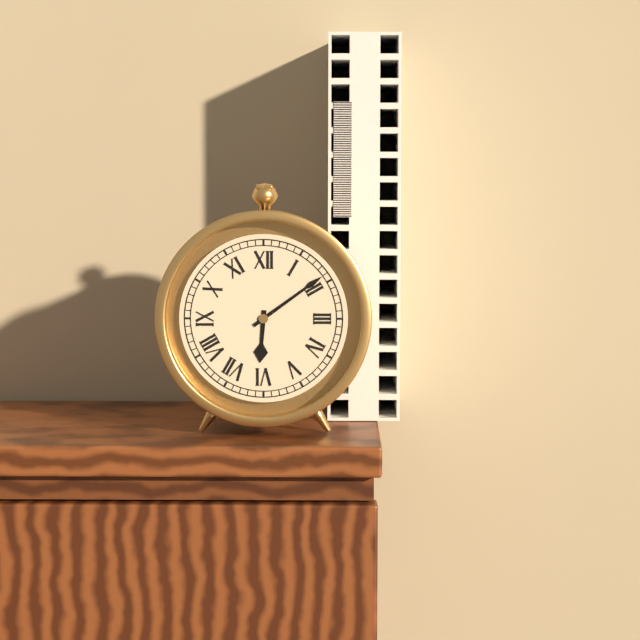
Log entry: 6:09
